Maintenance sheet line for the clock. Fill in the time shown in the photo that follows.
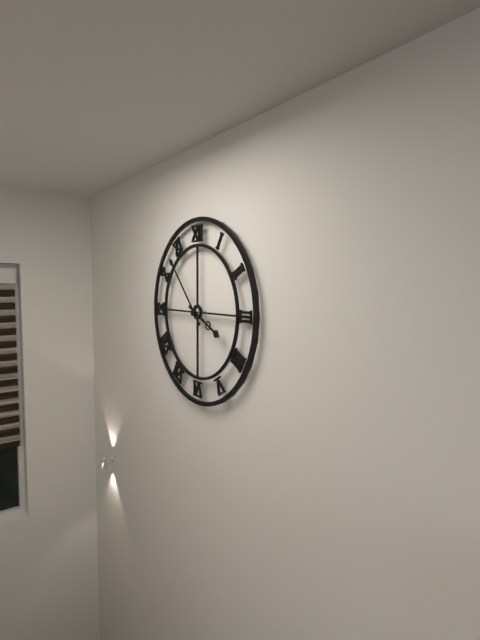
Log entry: 3:53
